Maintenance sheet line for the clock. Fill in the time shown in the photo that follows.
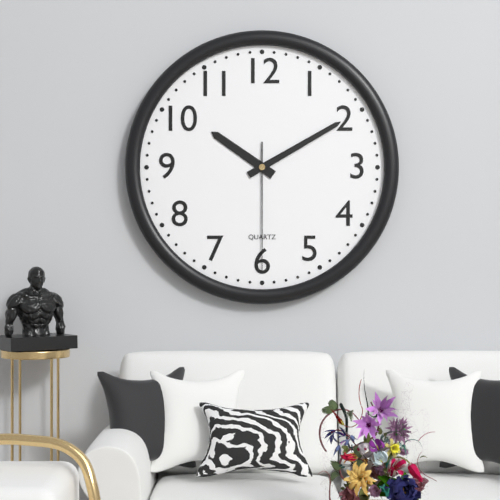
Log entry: 10:10:30
